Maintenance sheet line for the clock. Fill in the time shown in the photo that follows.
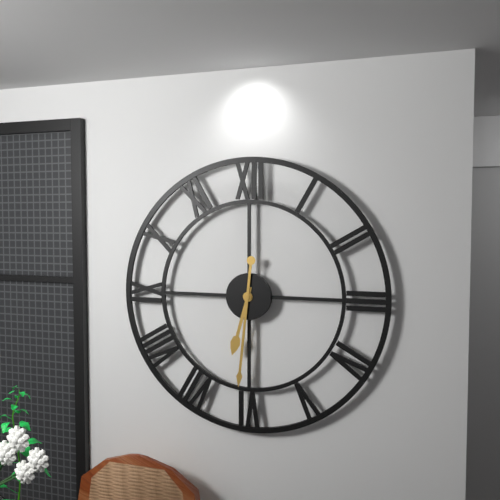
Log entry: 6:31
